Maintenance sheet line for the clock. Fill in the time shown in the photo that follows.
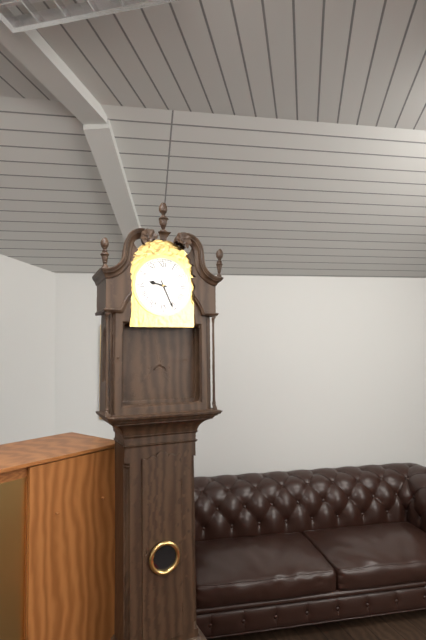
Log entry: 9:26
